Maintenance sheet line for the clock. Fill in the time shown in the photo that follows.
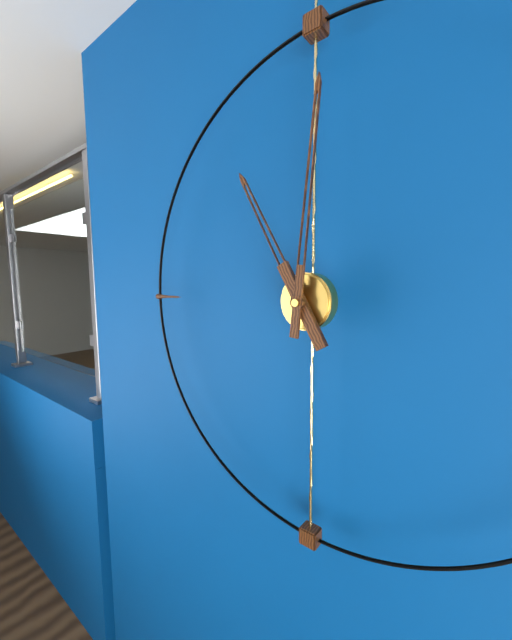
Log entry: 11:01
